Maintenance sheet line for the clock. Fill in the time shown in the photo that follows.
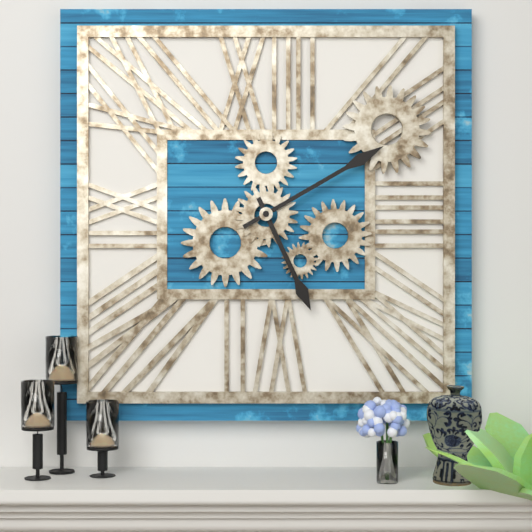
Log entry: 5:10
